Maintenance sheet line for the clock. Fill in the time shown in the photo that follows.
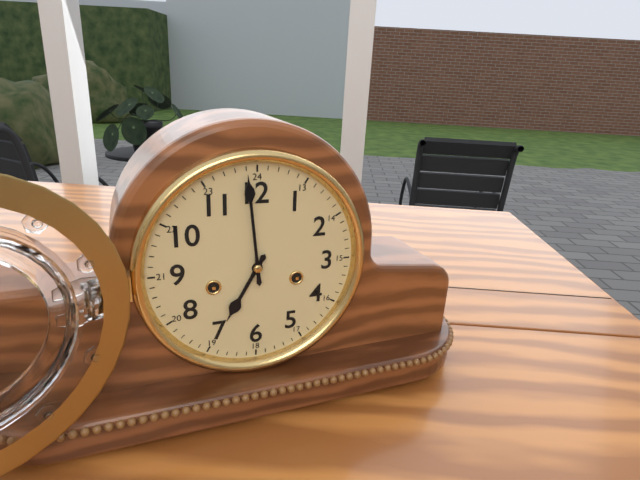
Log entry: 6:59
